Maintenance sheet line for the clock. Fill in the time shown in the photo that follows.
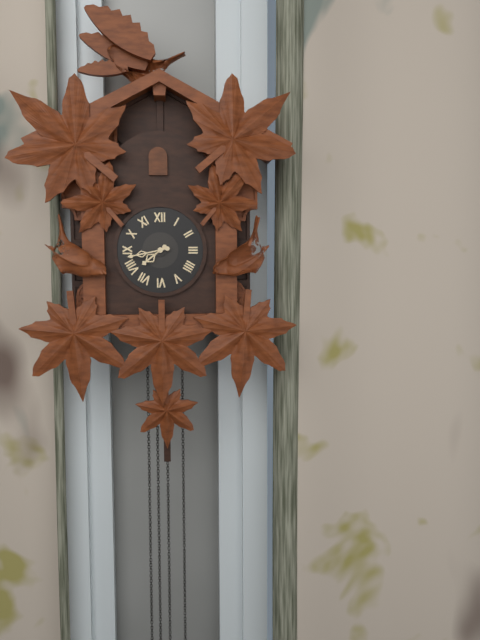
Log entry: 7:43
